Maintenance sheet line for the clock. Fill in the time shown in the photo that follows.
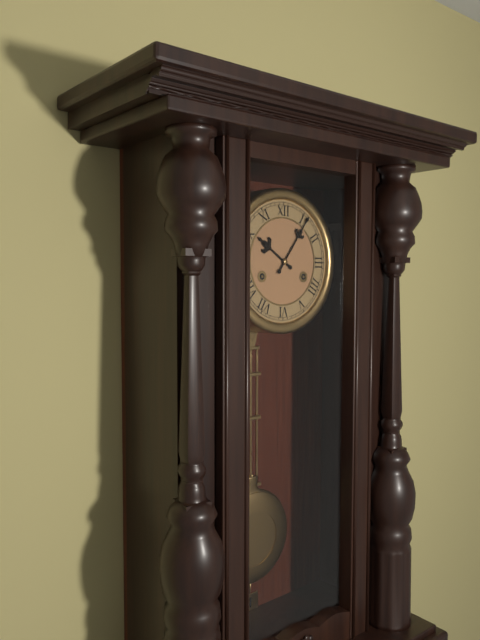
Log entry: 10:06
